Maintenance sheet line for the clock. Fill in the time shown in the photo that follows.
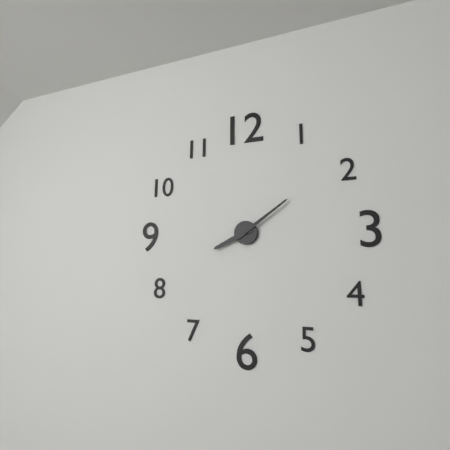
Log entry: 8:09
